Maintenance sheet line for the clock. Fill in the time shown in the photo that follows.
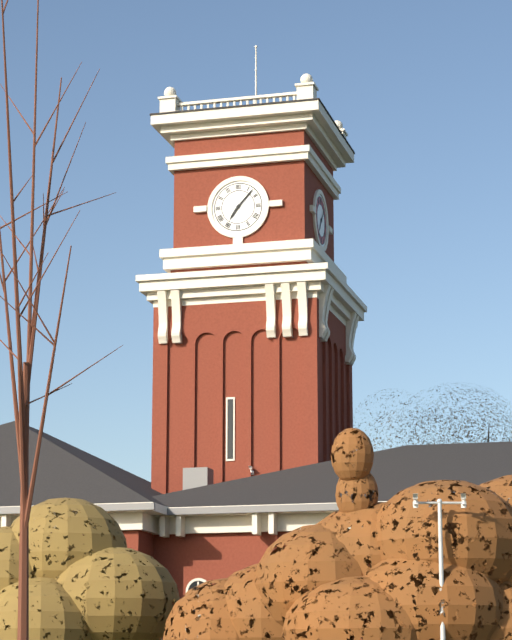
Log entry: 7:07
